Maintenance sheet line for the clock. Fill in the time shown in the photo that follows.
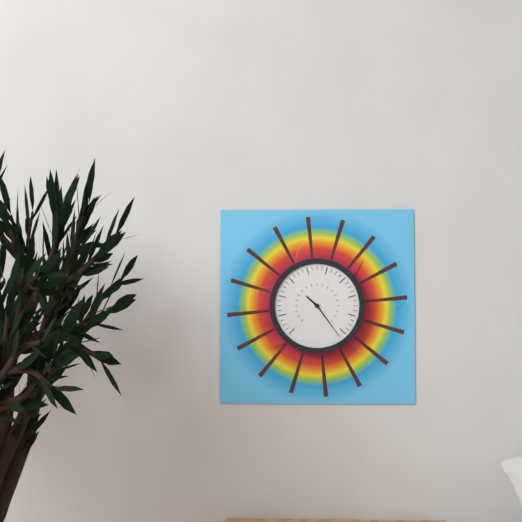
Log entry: 10:24
